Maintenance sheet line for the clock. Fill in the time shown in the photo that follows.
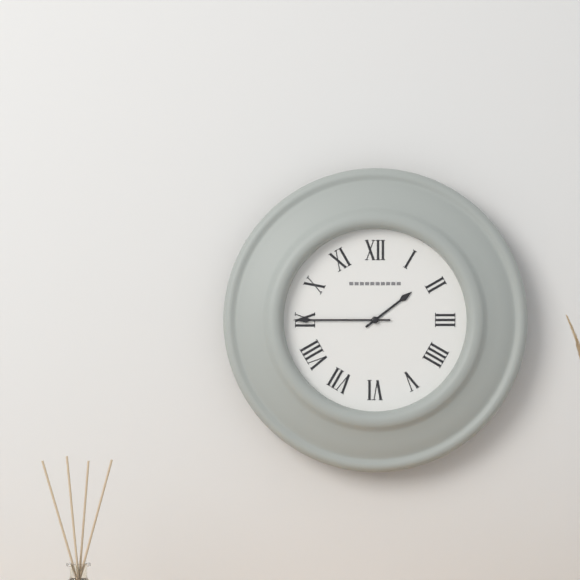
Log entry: 1:45
